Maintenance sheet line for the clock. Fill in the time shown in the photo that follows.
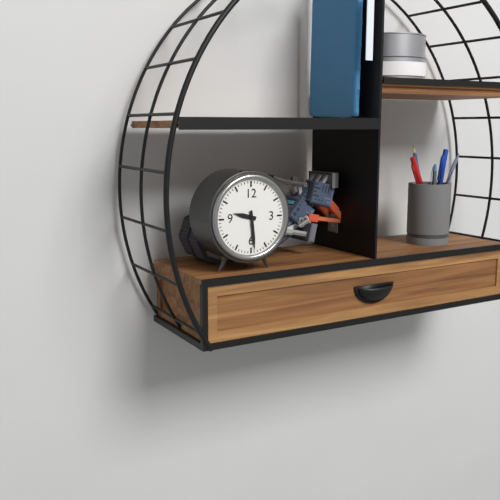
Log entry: 9:29
